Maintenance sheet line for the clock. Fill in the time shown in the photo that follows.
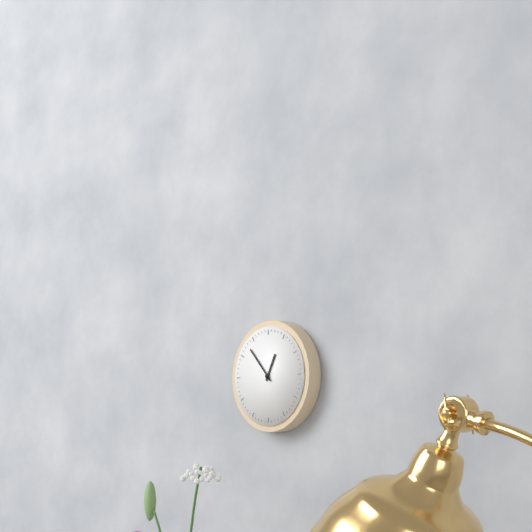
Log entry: 12:53
